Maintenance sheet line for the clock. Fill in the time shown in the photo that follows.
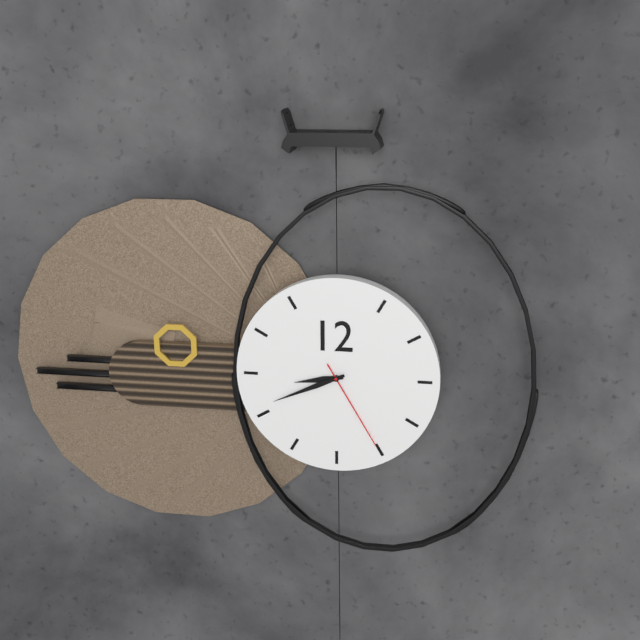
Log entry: 8:41:25
